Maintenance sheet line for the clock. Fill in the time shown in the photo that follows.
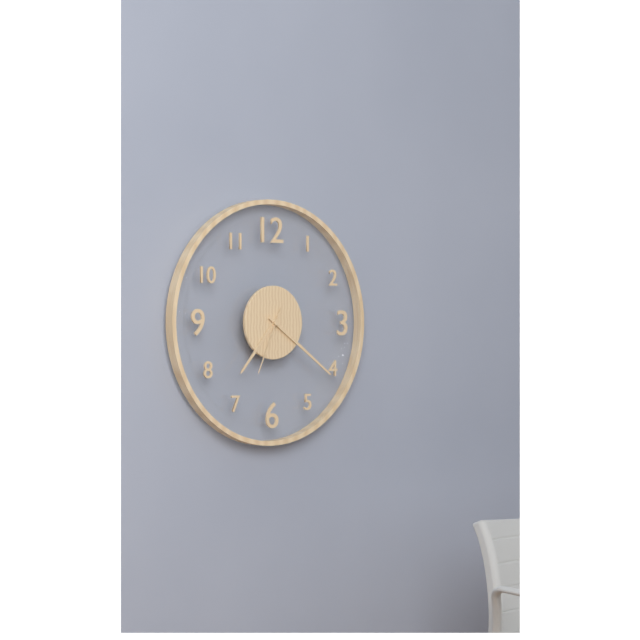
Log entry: 7:21:34
